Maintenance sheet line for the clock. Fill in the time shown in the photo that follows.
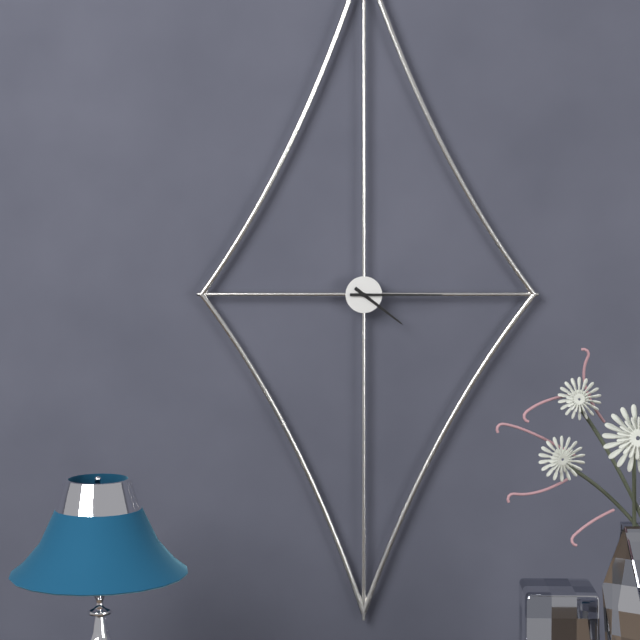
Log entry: 4:15
